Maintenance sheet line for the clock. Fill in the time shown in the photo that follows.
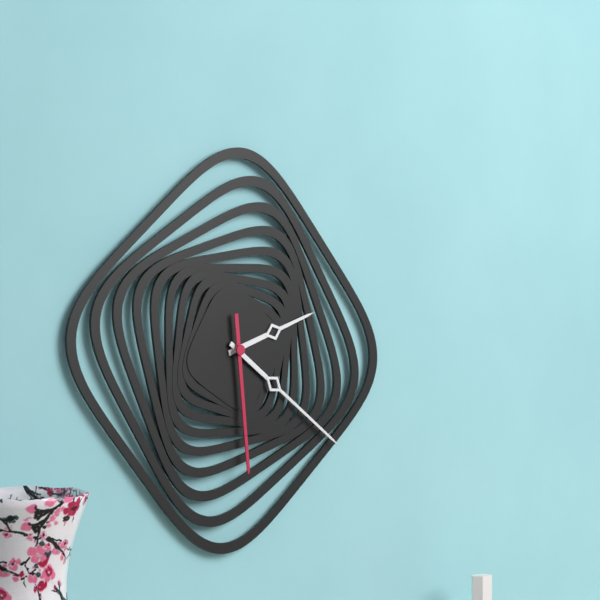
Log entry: 2:21:29
